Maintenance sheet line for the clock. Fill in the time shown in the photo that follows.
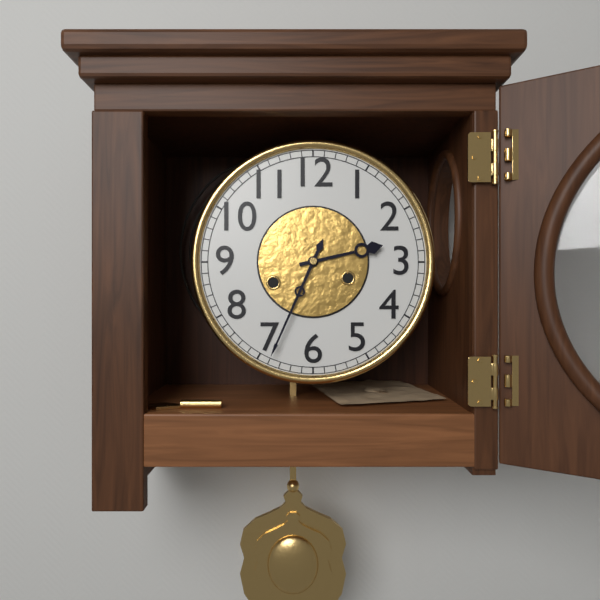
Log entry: 2:34
